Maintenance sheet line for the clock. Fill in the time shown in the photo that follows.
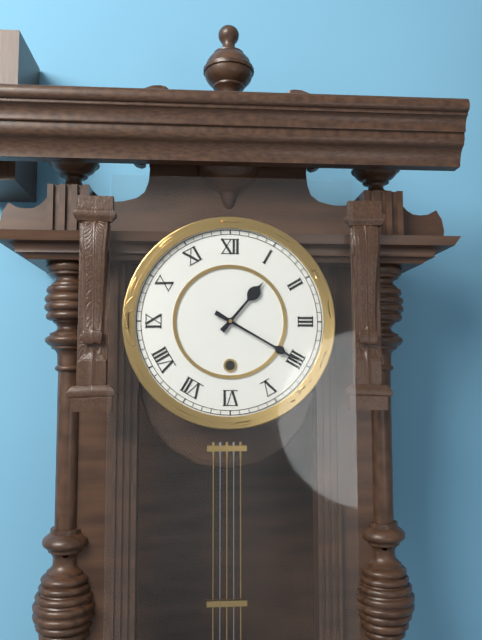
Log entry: 1:20
